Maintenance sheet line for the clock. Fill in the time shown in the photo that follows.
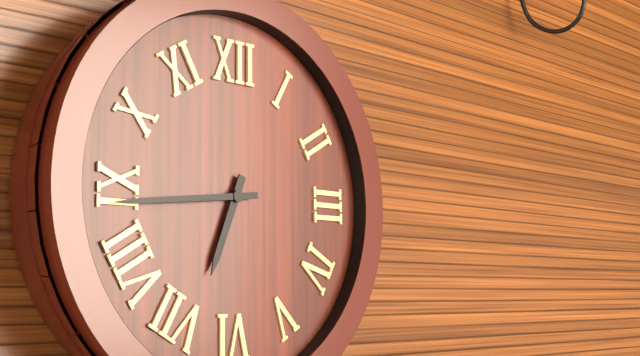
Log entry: 6:44
